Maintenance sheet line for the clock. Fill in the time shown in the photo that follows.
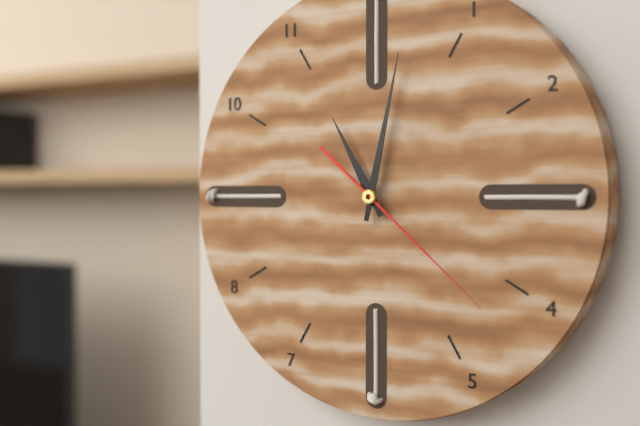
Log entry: 11:02:22
